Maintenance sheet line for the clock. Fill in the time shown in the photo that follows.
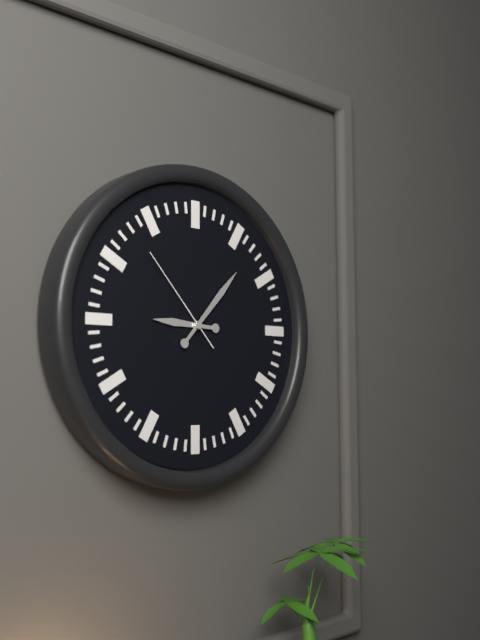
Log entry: 9:07:53
